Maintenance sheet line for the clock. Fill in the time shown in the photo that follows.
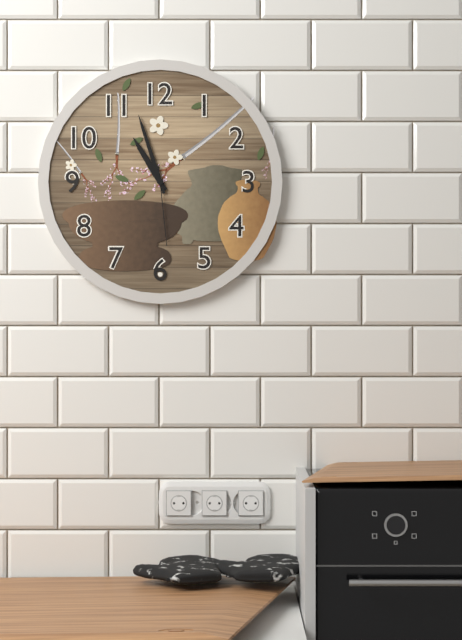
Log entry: 10:57:29
